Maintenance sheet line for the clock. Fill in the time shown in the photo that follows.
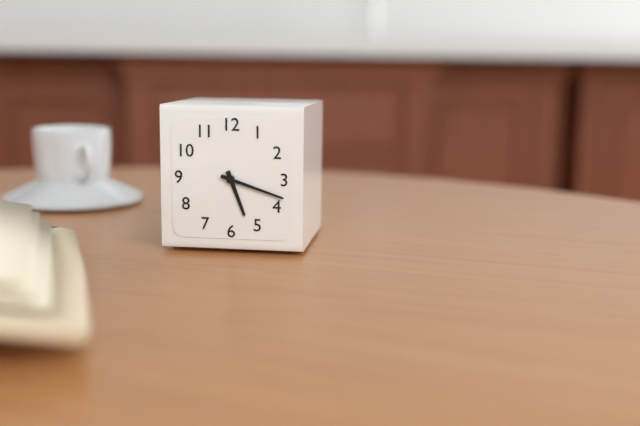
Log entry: 5:18
